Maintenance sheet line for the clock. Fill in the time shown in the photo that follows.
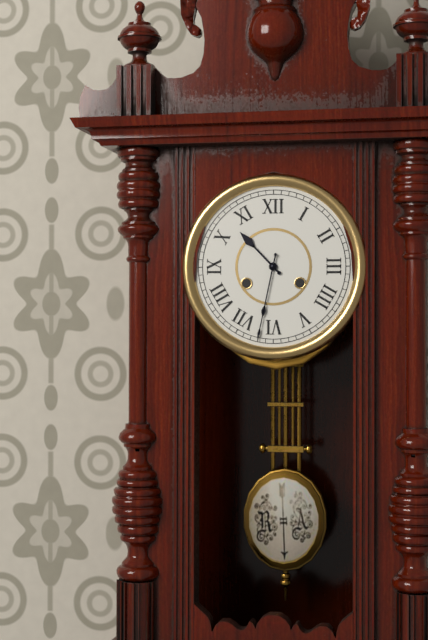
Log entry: 10:32
